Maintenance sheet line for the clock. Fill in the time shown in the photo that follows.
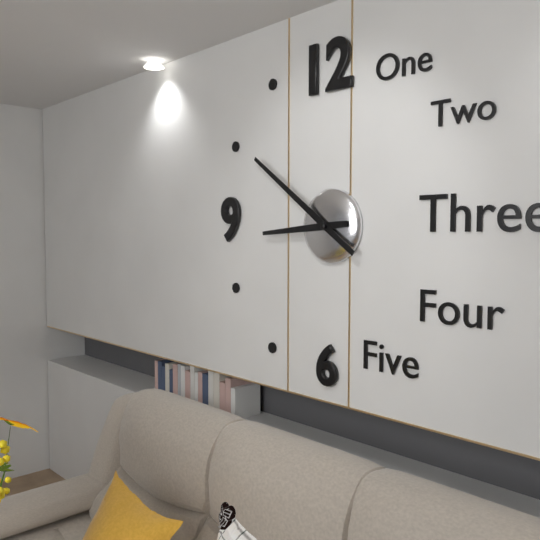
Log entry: 8:51
